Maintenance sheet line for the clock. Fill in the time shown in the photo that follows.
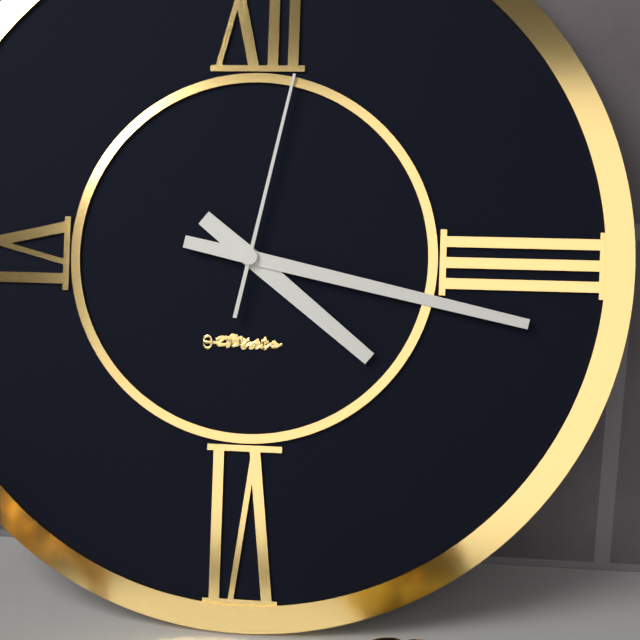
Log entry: 4:17:02
